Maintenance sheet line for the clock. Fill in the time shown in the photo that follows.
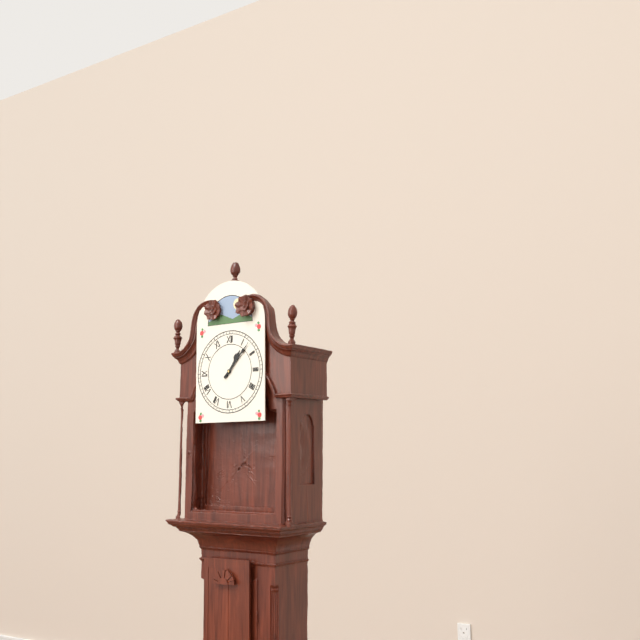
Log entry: 1:07
